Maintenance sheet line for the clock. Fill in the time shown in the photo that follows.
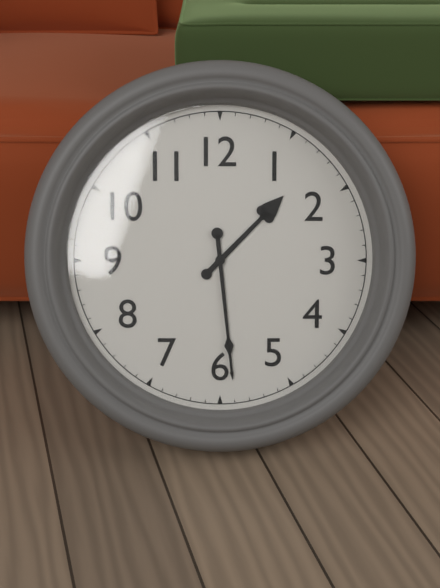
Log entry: 1:29
